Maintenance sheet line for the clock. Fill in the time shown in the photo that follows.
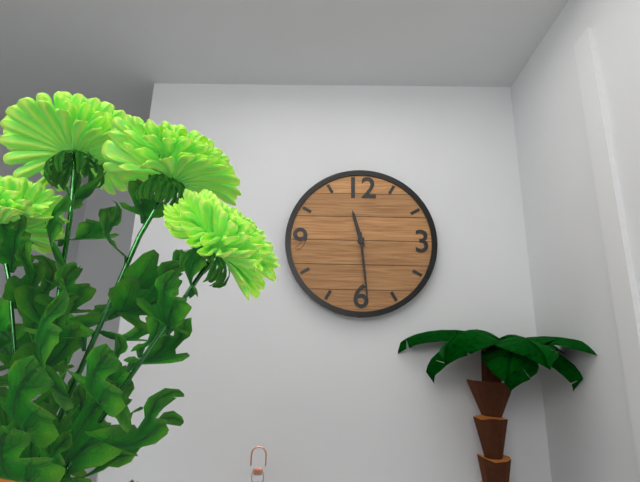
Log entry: 11:29
